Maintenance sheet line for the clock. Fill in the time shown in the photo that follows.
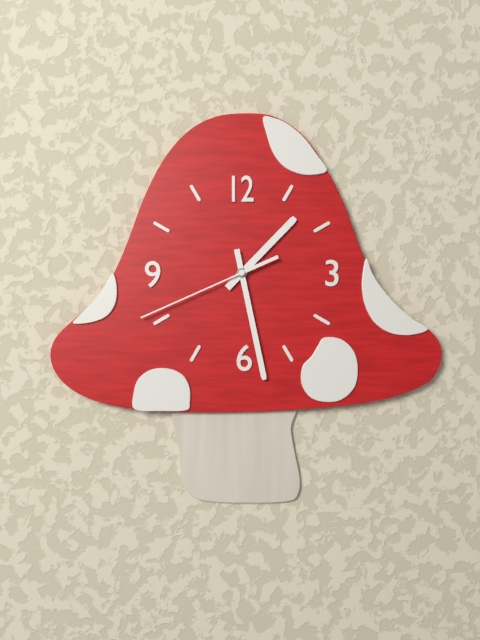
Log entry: 1:28:41
